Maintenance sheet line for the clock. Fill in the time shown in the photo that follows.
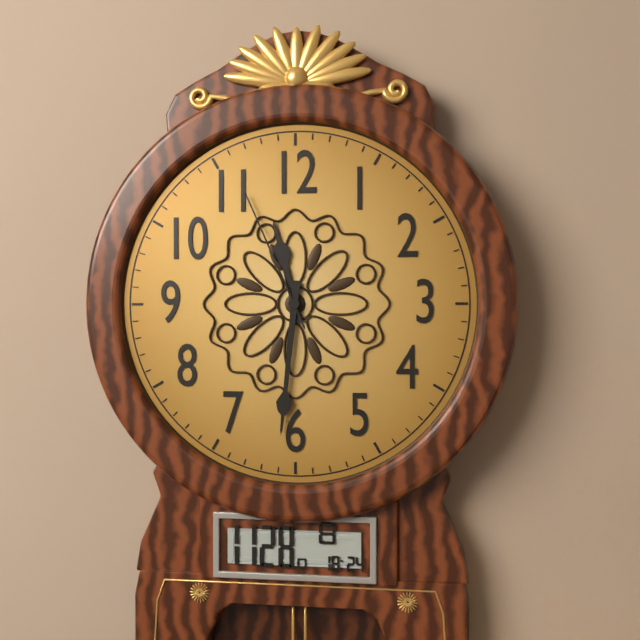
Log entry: 11:31:56
